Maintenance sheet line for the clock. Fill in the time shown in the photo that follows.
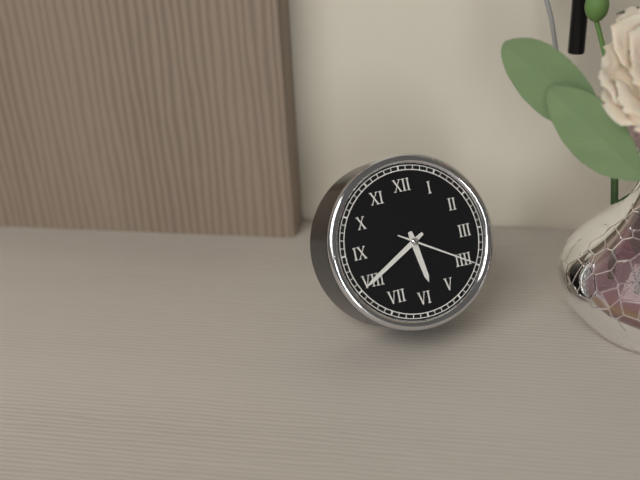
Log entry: 5:40:20
